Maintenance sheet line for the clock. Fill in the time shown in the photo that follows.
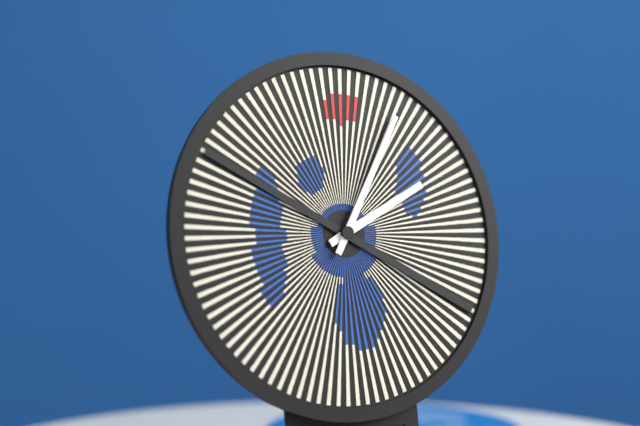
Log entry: 2:05
